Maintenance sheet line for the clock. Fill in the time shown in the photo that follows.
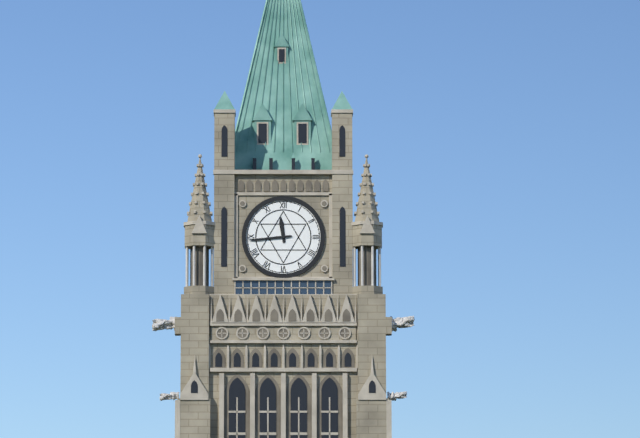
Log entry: 11:44
